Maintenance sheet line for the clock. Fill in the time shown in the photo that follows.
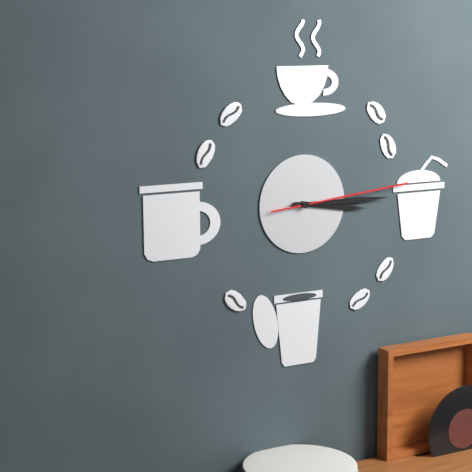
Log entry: 3:15:14
